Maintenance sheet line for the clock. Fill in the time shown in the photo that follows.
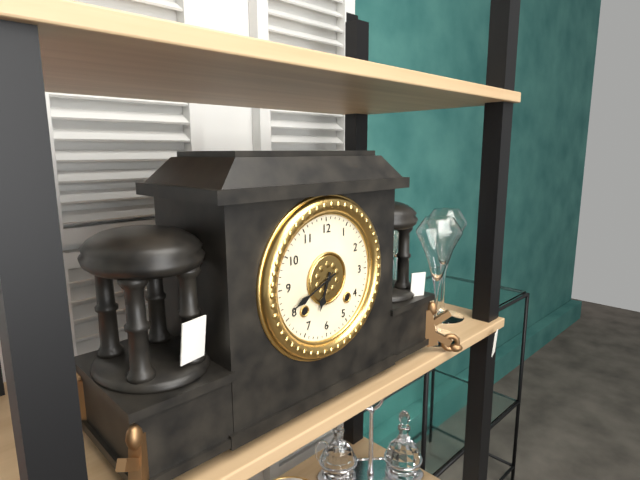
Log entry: 6:41
